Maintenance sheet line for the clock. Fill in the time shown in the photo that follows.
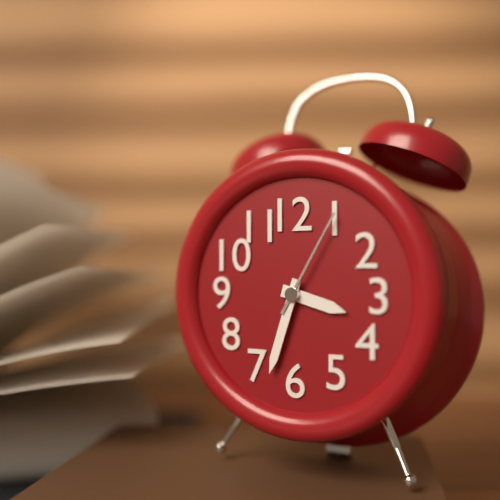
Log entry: 3:33:05
